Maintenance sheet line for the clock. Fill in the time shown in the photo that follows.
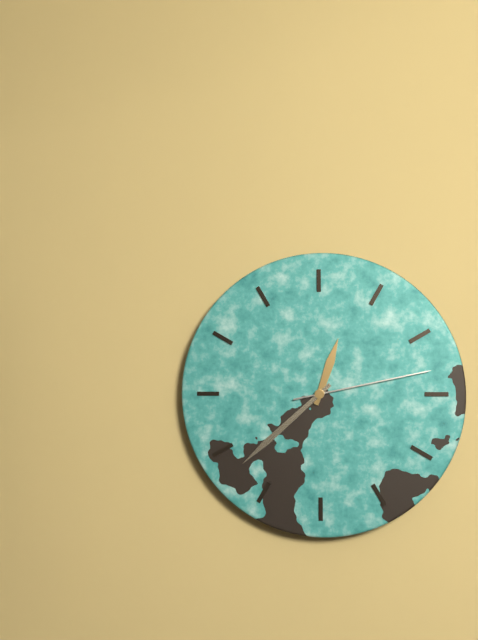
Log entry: 12:38:13
